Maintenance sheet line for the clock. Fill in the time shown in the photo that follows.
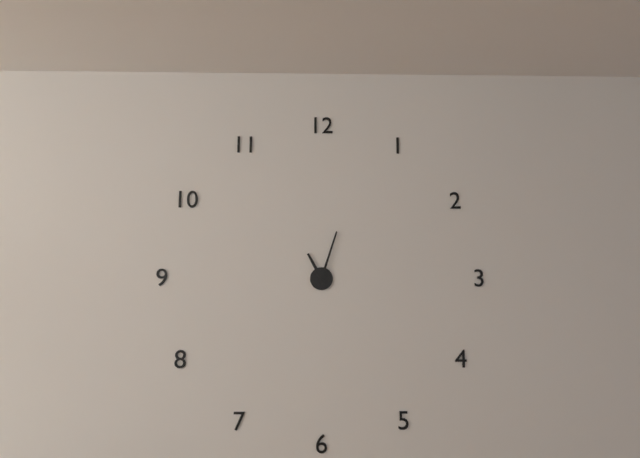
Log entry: 11:03
